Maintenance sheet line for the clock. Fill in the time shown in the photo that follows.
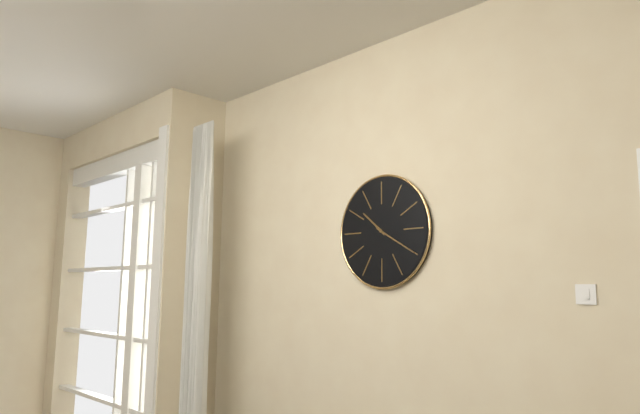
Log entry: 10:20
